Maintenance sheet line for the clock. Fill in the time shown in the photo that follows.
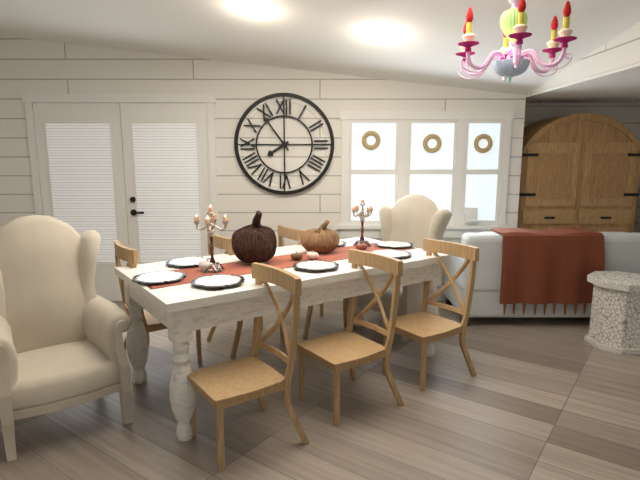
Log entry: 7:54
